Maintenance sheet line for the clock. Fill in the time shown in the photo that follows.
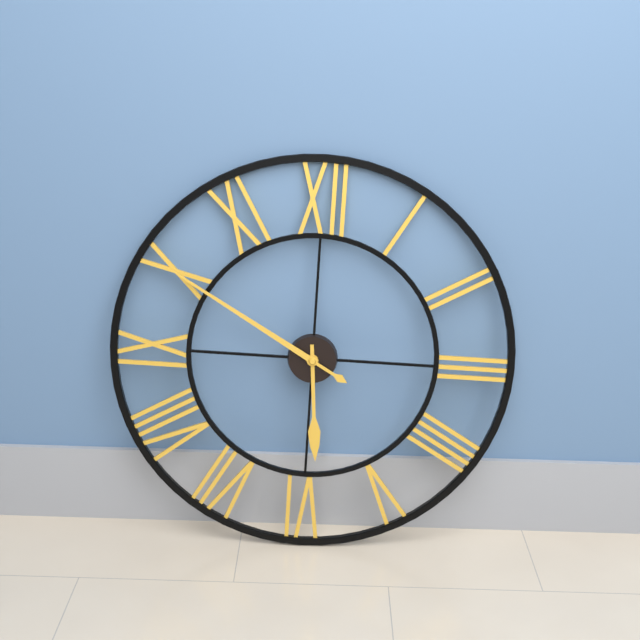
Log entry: 5:50
